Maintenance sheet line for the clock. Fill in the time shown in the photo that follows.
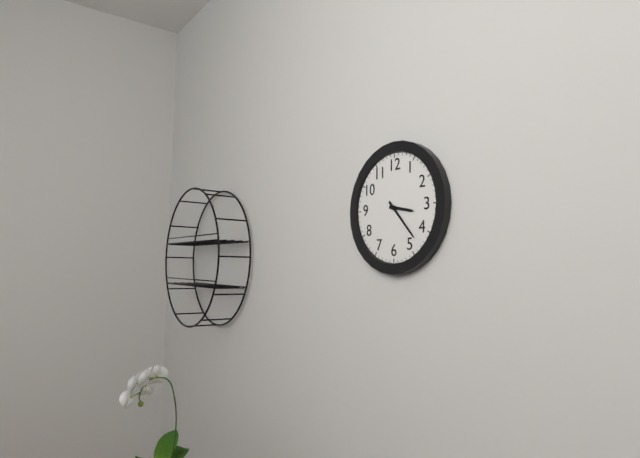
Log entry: 3:23
